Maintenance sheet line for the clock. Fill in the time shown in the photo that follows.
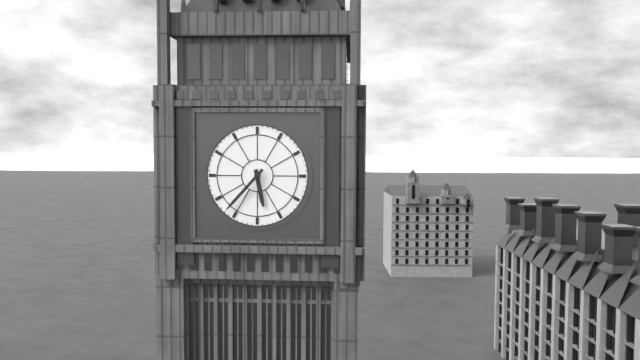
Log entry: 5:37
